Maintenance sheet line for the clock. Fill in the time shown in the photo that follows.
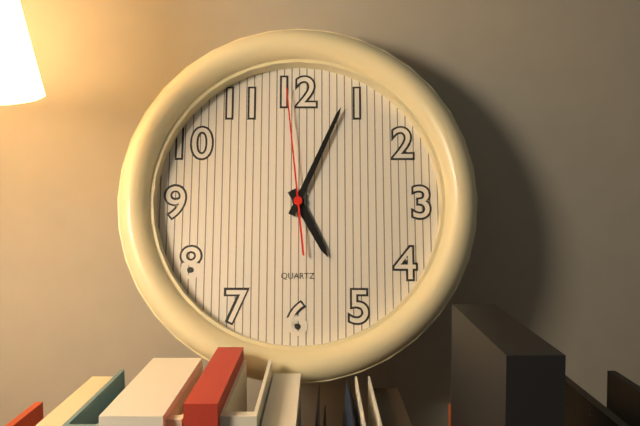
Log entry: 5:04:59
